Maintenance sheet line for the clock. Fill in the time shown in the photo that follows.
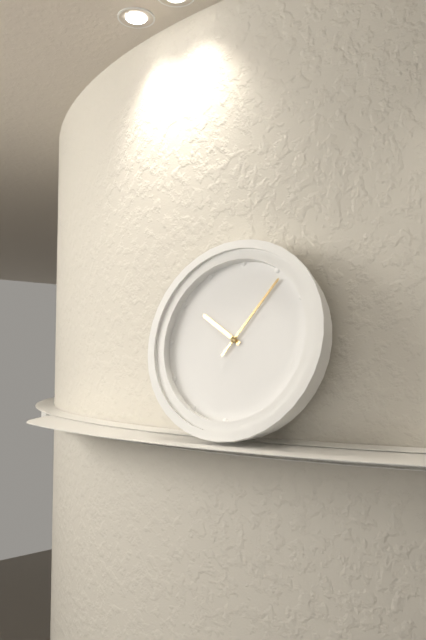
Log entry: 10:06
